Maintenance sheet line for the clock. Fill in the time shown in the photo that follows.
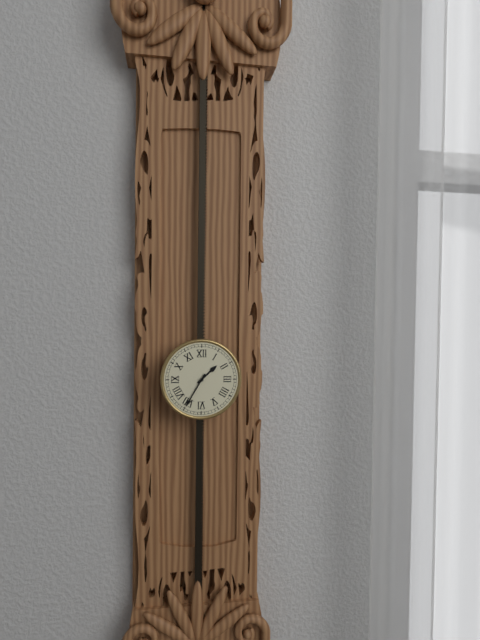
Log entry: 1:35
